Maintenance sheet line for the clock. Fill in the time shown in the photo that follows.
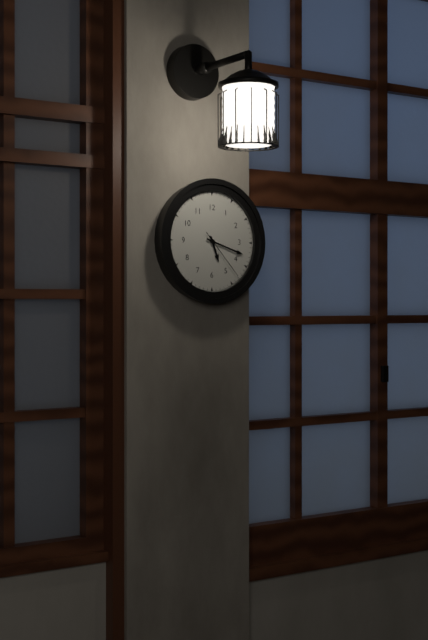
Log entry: 5:18:23
